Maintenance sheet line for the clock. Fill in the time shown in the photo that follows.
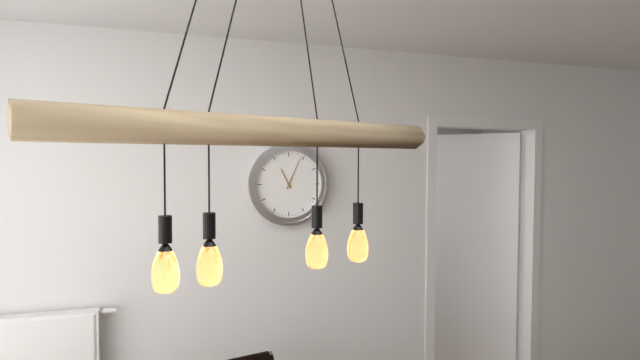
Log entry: 11:04
